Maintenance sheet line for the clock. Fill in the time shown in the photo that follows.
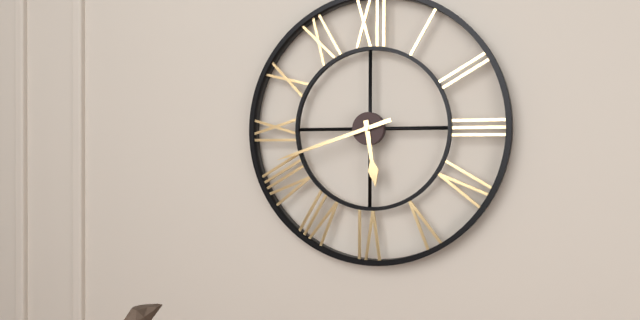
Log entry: 5:42
